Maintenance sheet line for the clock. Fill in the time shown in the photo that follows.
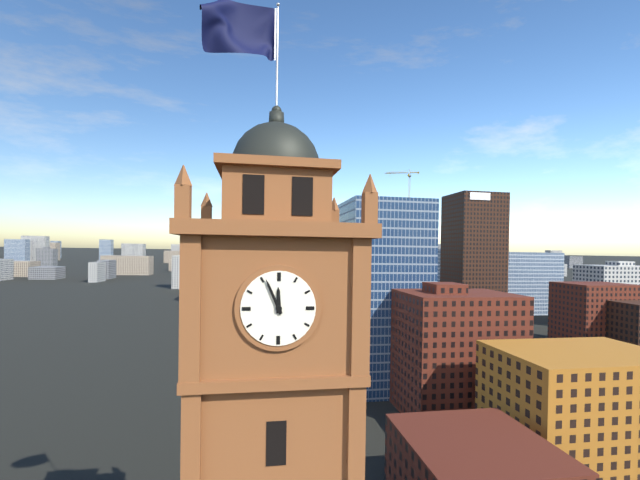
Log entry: 11:56
